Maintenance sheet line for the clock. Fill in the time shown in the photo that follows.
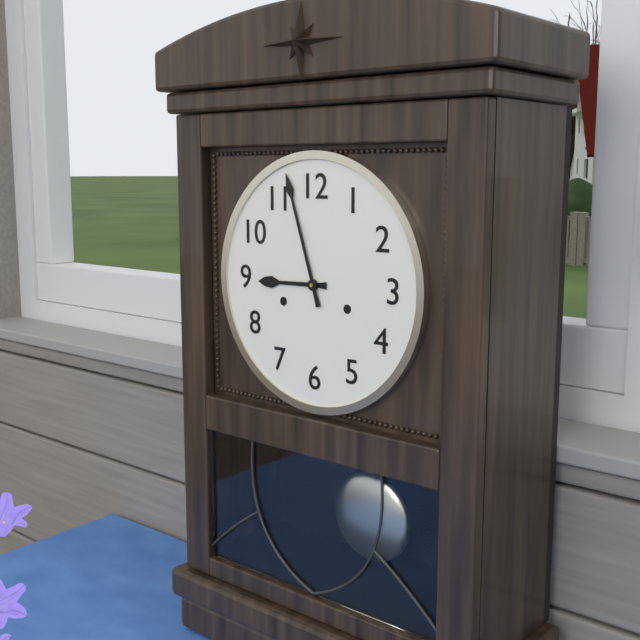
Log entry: 8:57
